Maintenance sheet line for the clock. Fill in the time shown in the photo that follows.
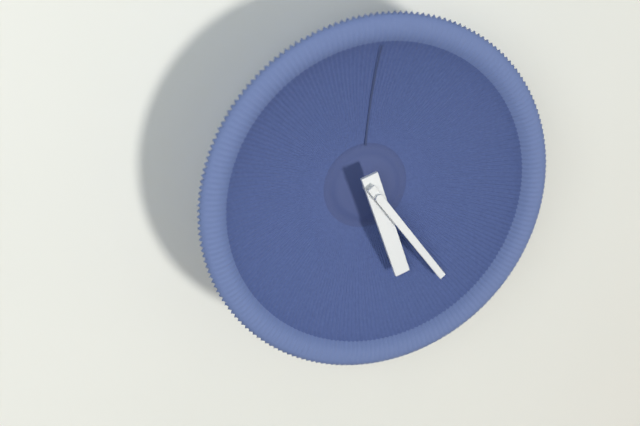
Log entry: 5:24
